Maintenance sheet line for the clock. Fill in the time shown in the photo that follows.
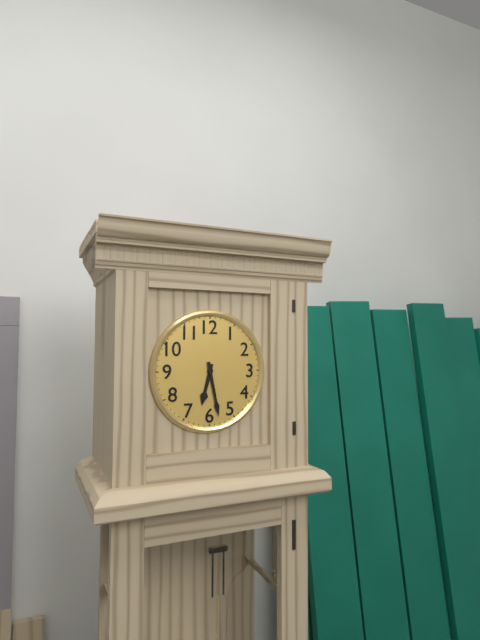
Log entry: 6:28
